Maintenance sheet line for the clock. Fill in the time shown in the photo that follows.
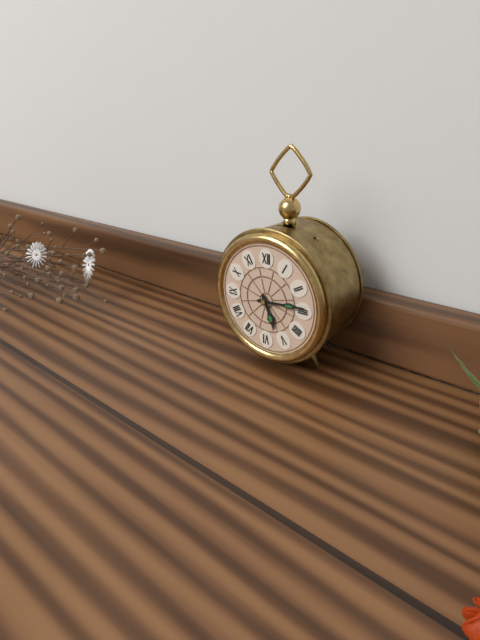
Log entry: 5:14
